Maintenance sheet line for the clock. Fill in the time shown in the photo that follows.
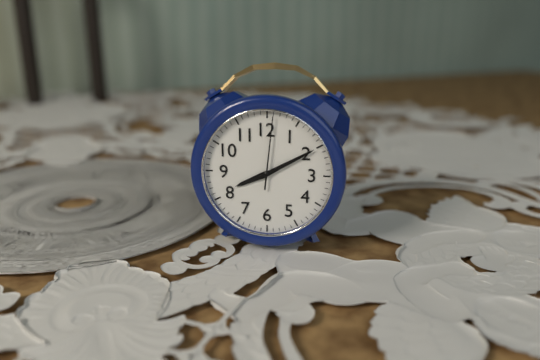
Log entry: 8:10:01
